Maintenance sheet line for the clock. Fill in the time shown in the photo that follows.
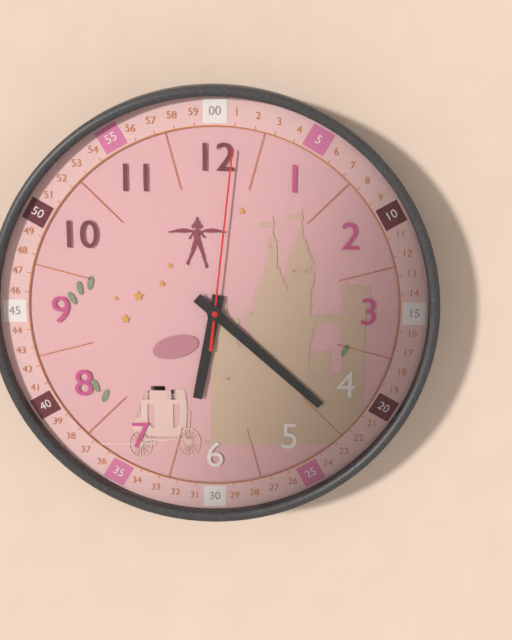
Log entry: 6:22:01
